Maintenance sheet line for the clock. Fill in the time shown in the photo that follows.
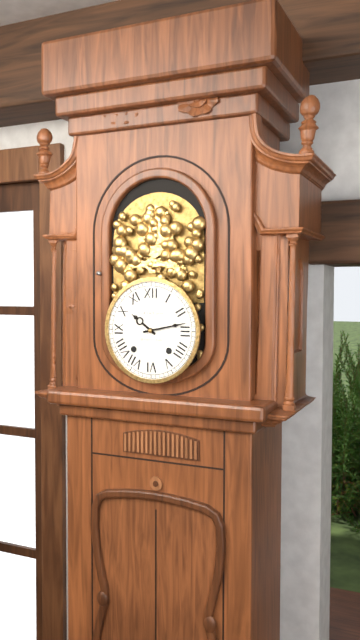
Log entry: 10:13
